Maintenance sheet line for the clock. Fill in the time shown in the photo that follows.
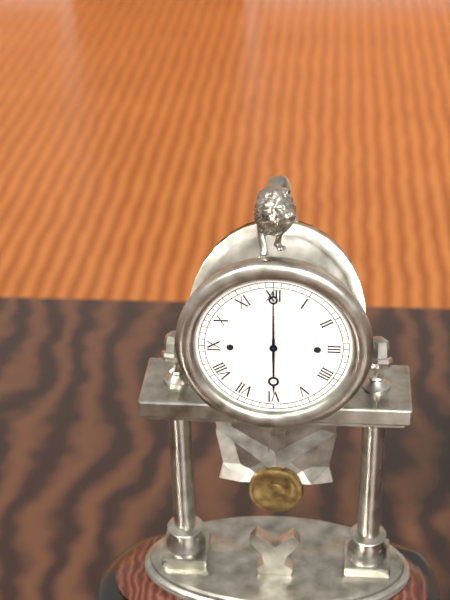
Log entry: 6:00
